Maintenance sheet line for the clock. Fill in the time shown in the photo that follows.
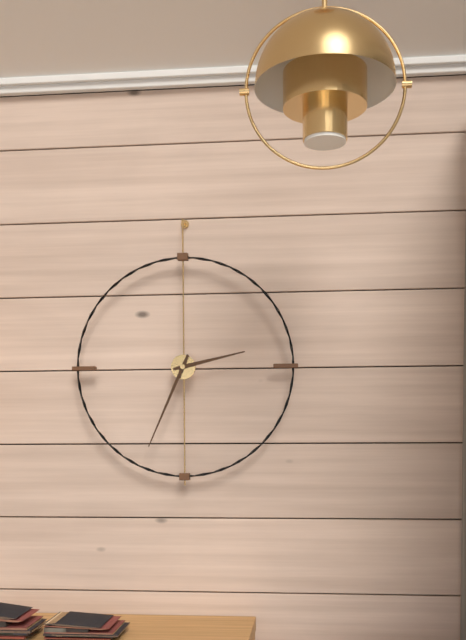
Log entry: 2:34
